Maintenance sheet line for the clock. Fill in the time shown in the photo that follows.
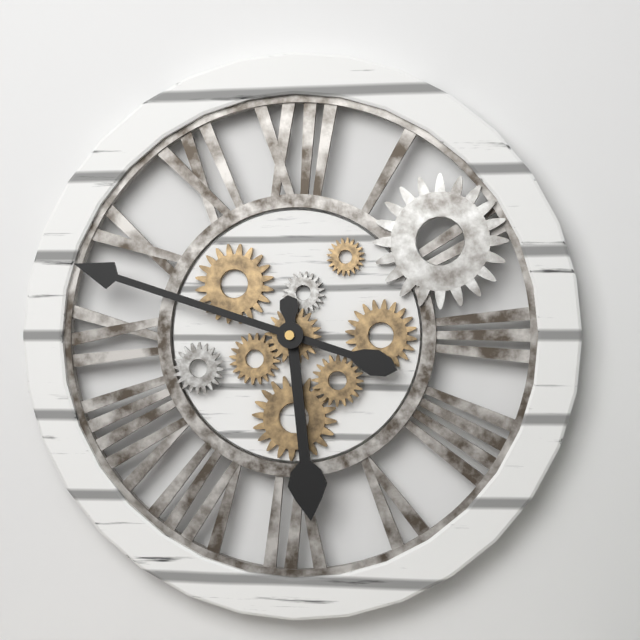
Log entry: 5:48
